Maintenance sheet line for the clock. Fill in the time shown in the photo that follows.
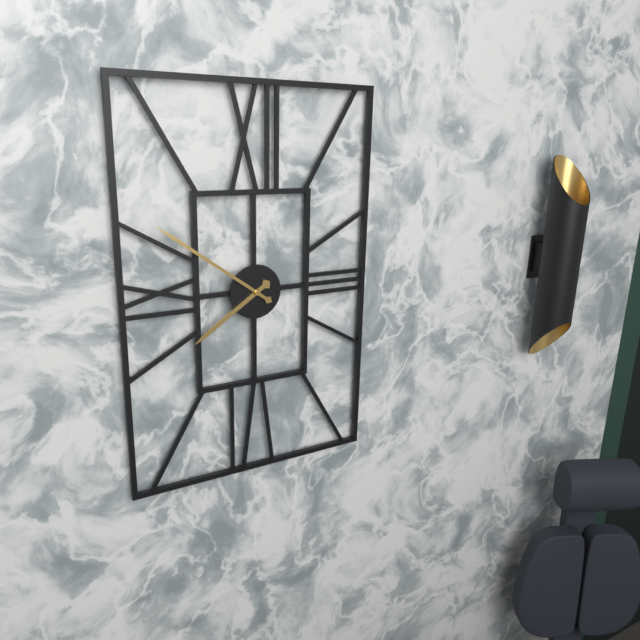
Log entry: 7:51
